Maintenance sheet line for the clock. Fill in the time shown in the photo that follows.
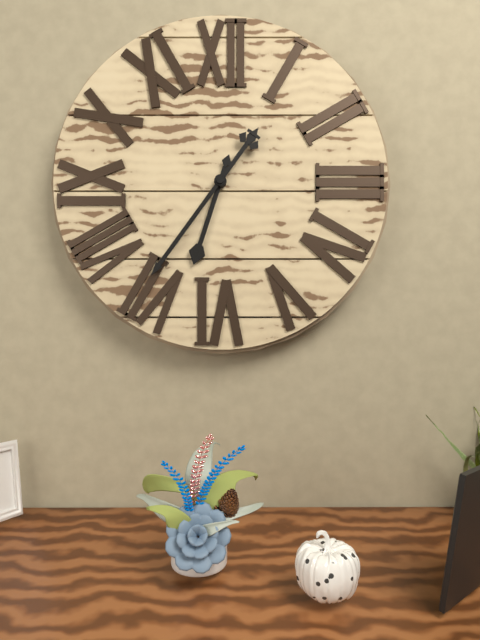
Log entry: 6:36
